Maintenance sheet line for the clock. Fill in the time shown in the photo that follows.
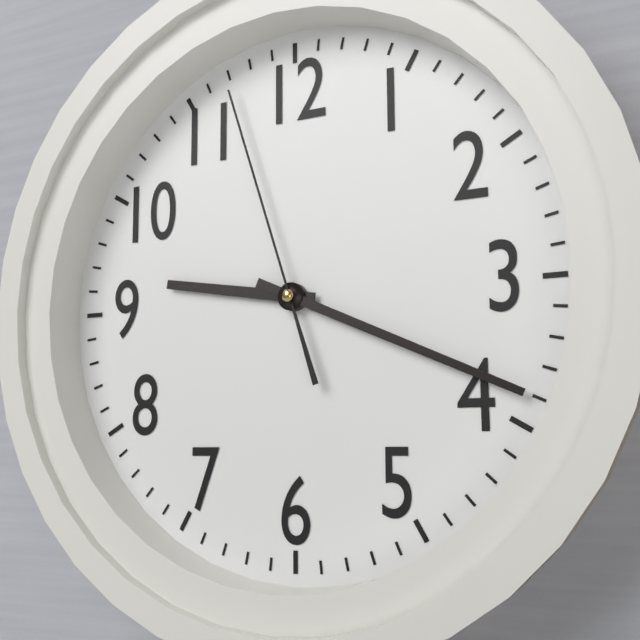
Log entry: 9:19:57
